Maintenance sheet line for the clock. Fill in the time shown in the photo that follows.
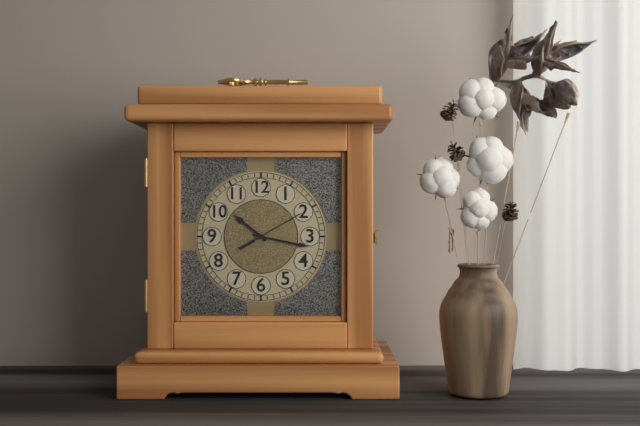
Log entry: 10:17:10
